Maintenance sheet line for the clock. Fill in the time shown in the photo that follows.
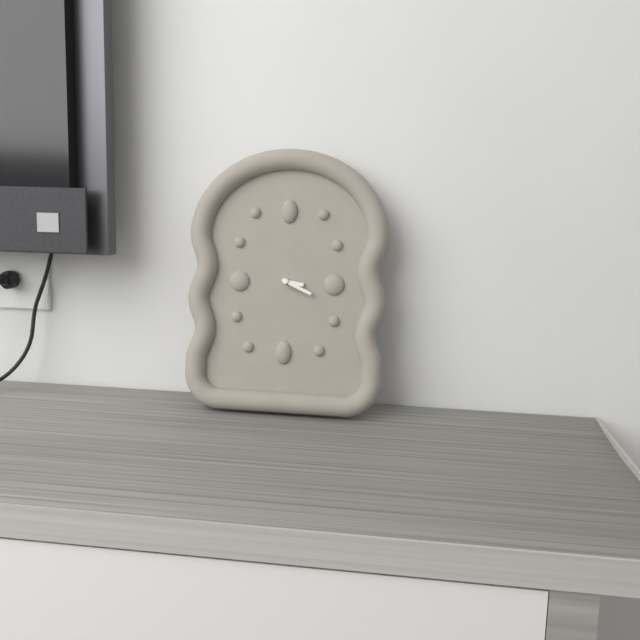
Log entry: 3:19
